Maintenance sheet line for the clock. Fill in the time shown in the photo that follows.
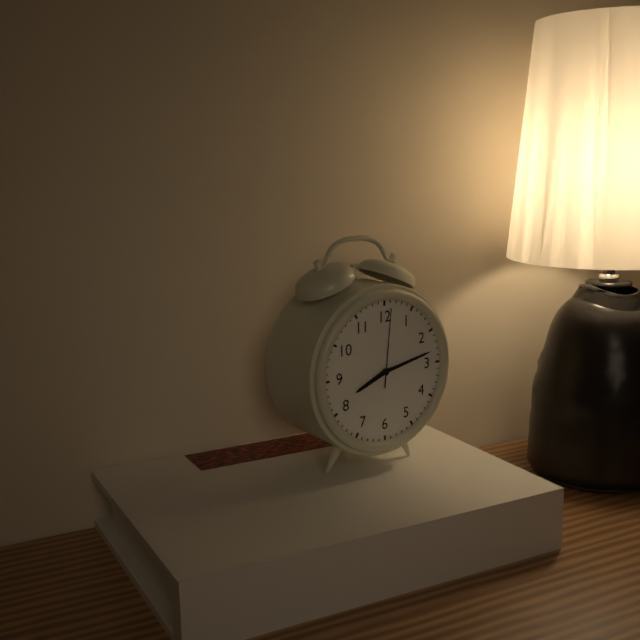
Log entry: 8:13:01
